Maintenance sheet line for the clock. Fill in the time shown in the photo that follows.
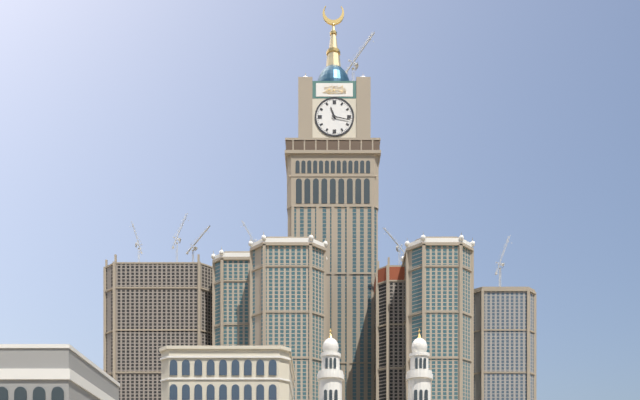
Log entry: 11:17
